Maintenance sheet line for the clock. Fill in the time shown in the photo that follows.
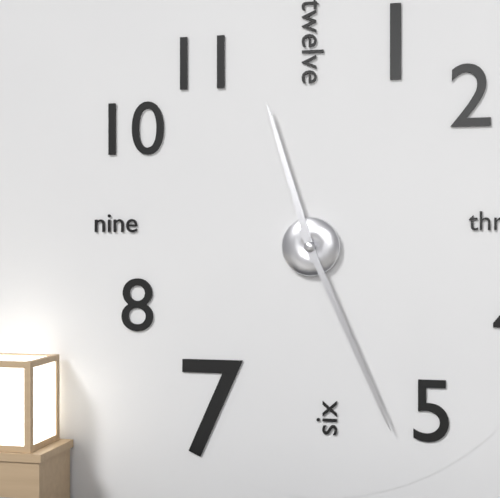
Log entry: 11:26
